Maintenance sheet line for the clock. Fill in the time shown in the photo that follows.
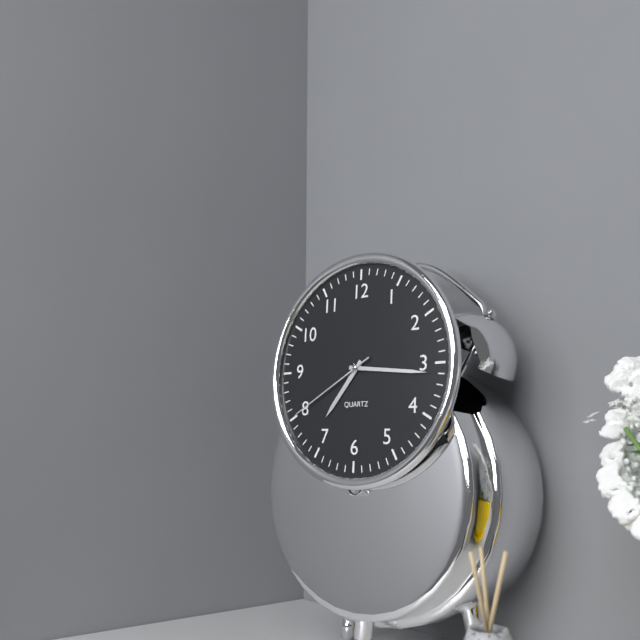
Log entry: 7:16:40
